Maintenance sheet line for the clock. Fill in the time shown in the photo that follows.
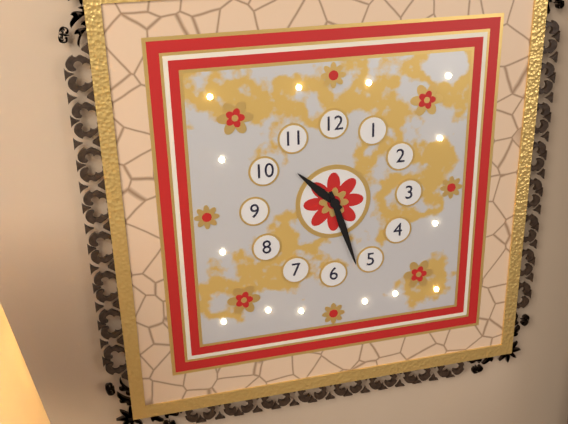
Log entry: 10:27
